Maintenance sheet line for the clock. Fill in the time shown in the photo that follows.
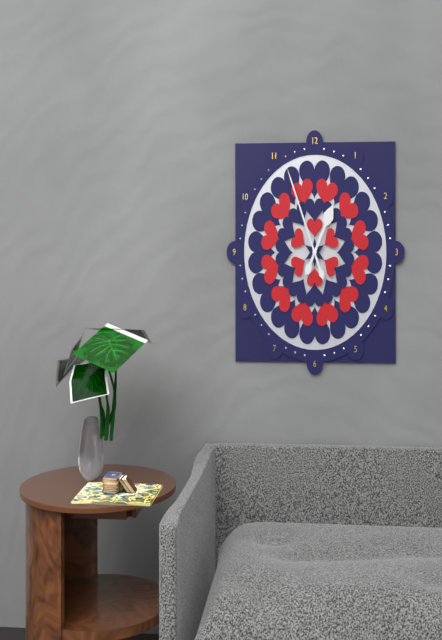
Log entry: 12:56
